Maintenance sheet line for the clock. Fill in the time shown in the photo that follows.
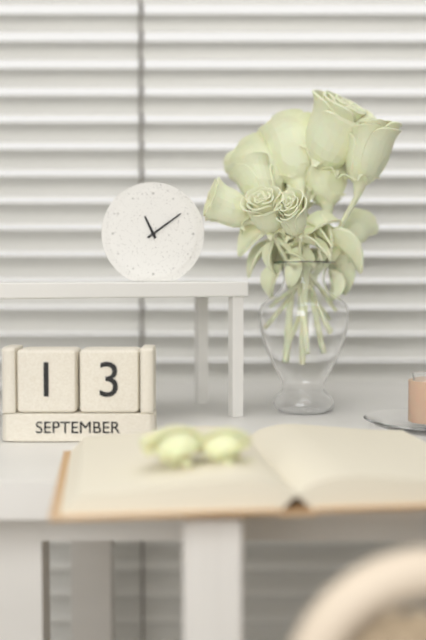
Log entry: 11:09
